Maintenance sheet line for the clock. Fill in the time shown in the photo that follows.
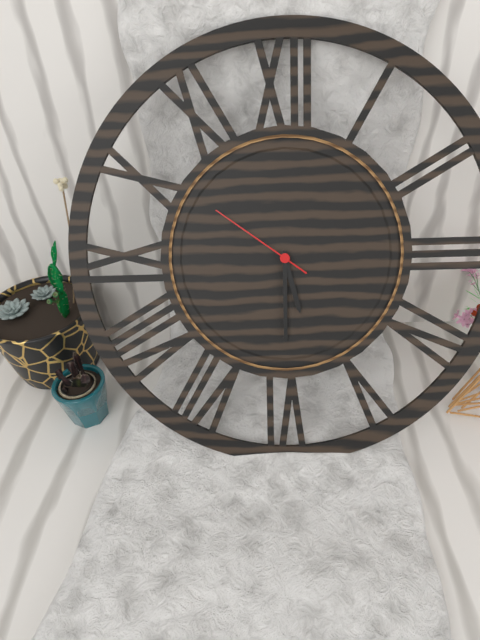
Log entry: 5:30:51
